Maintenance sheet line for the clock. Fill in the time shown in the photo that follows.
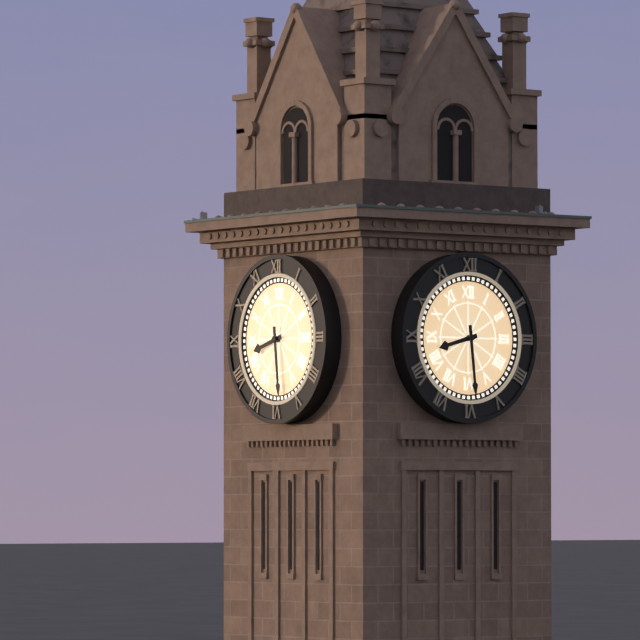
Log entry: 8:29
